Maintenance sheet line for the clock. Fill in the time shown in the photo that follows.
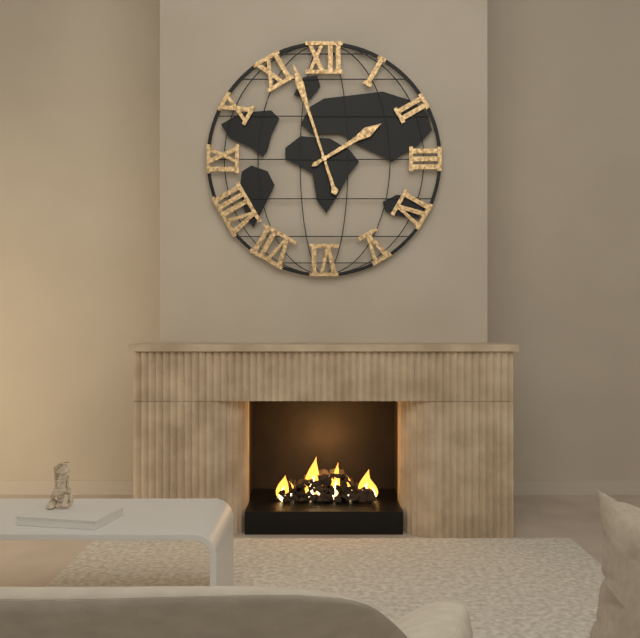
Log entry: 1:57
